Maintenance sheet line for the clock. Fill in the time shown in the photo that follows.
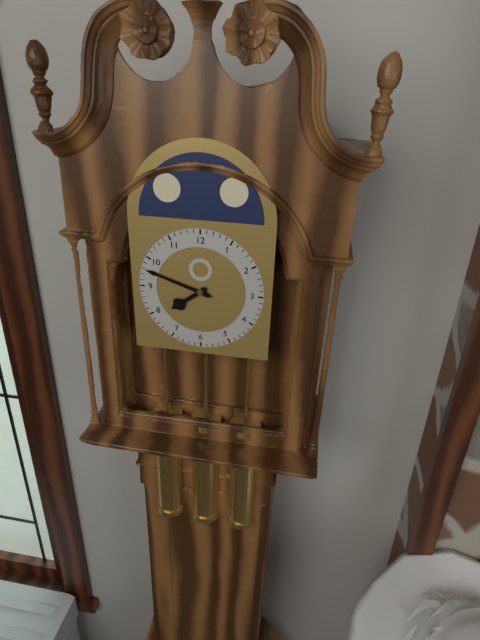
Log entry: 7:48
